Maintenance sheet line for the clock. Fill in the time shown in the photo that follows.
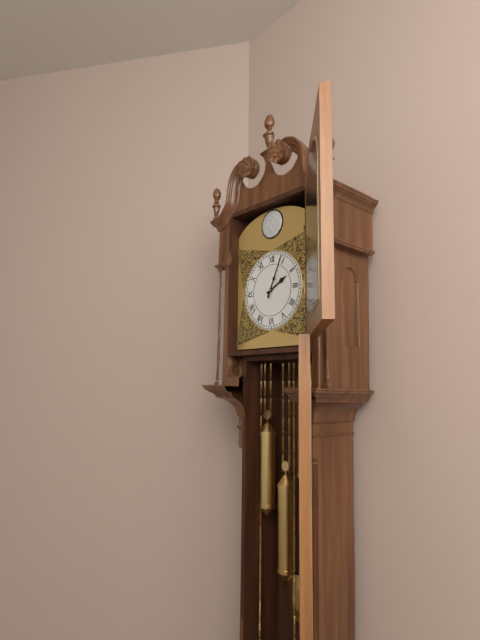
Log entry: 2:04
